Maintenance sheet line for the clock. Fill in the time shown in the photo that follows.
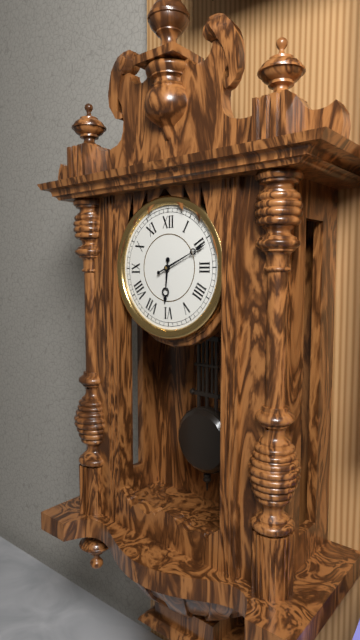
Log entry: 6:11
